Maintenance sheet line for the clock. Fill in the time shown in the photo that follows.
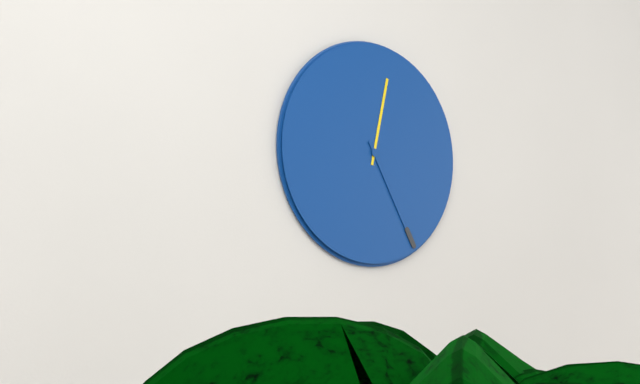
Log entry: 12:25
